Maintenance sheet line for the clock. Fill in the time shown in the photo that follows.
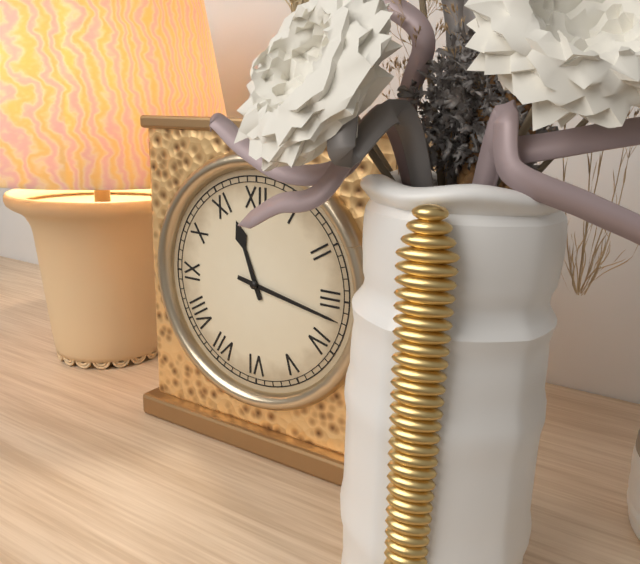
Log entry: 11:17
